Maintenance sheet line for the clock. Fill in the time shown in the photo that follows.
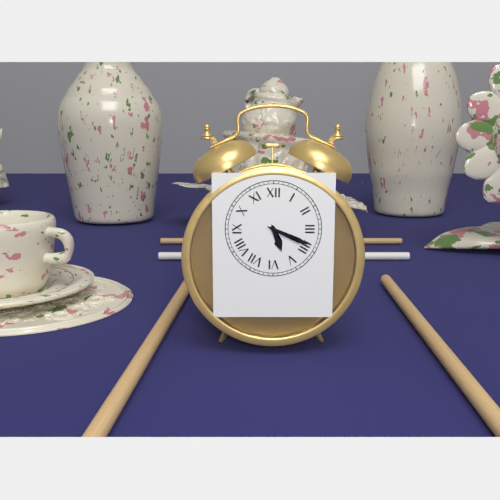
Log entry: 5:19
